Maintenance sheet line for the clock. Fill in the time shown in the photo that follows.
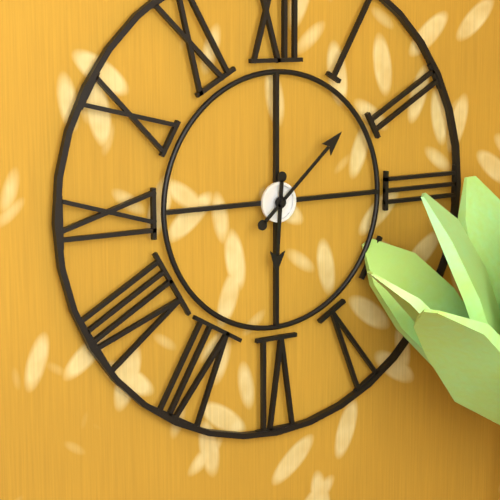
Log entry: 6:08
